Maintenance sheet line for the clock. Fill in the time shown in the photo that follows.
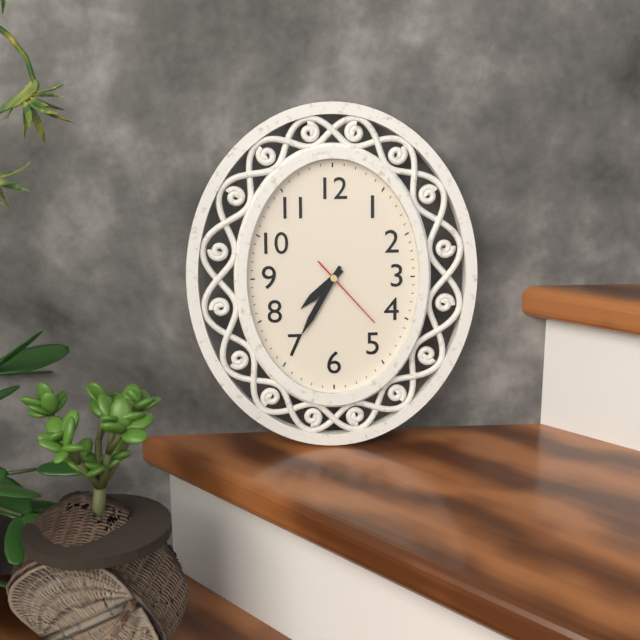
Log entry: 7:35:23
